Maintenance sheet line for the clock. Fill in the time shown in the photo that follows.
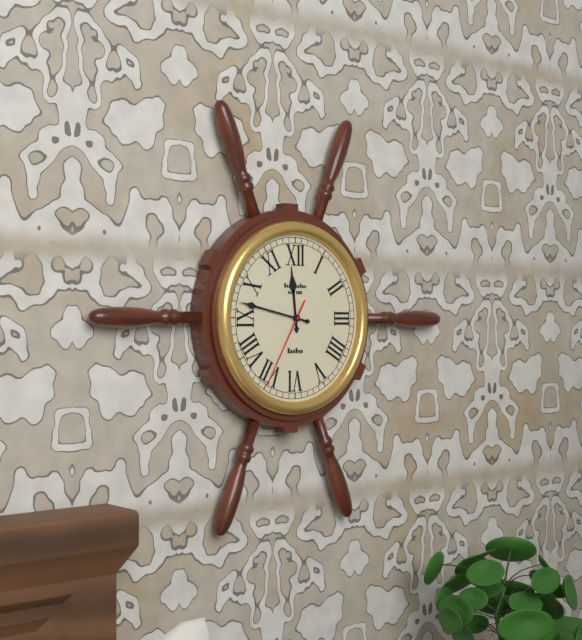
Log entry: 11:47:35
